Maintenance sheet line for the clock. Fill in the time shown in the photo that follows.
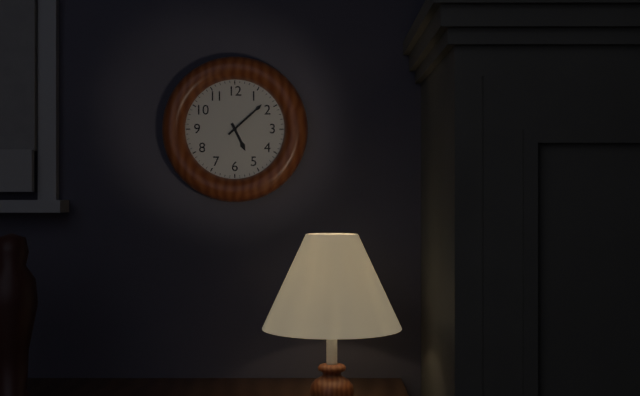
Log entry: 5:08
